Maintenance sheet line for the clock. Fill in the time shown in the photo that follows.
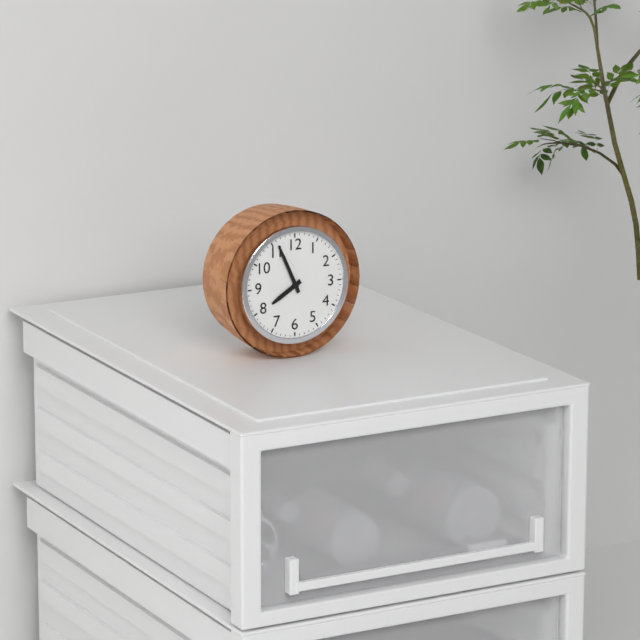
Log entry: 7:56
